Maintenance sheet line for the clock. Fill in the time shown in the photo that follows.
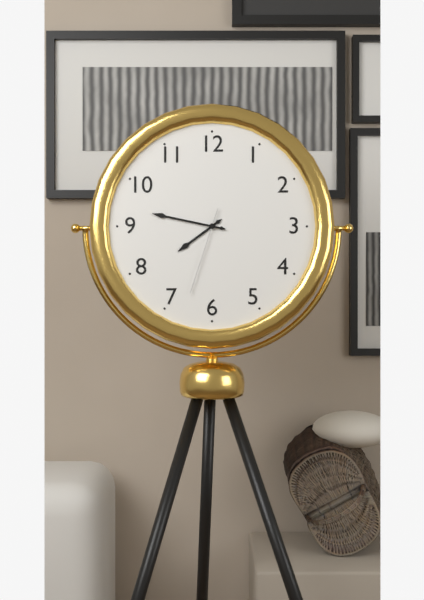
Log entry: 7:47:33
